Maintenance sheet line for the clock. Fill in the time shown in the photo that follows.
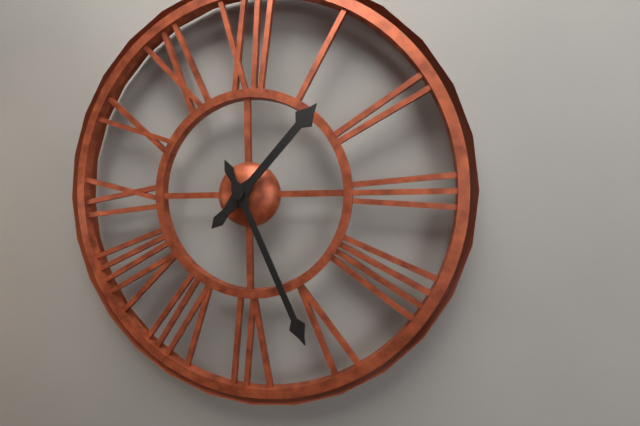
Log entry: 1:26
